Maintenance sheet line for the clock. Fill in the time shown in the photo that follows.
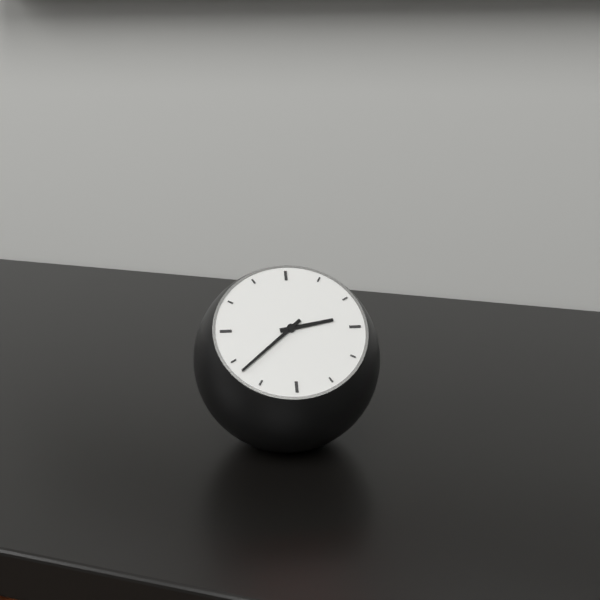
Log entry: 2:38
